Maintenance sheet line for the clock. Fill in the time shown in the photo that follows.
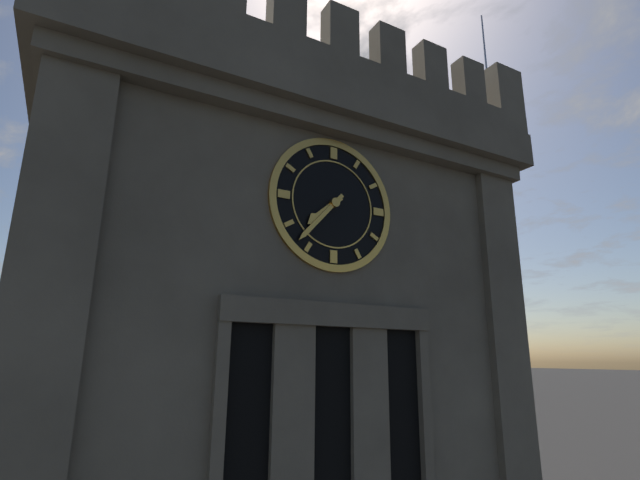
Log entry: 7:37
